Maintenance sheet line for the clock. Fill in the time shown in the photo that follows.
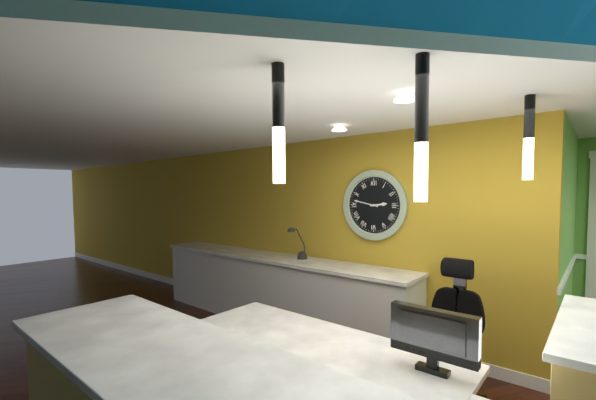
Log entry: 2:47
